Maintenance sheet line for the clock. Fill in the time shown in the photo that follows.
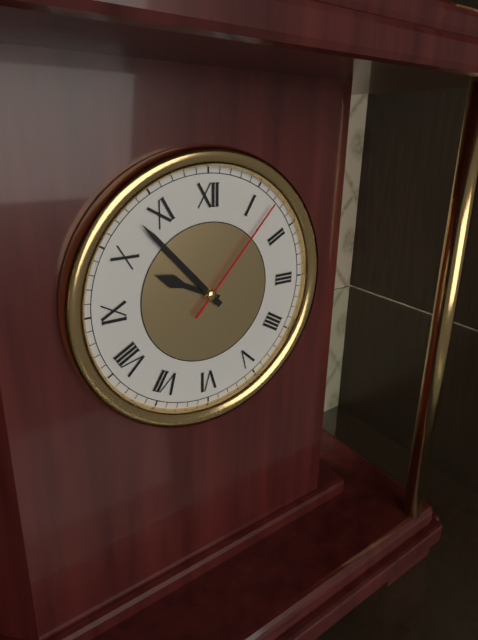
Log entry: 9:53:07
